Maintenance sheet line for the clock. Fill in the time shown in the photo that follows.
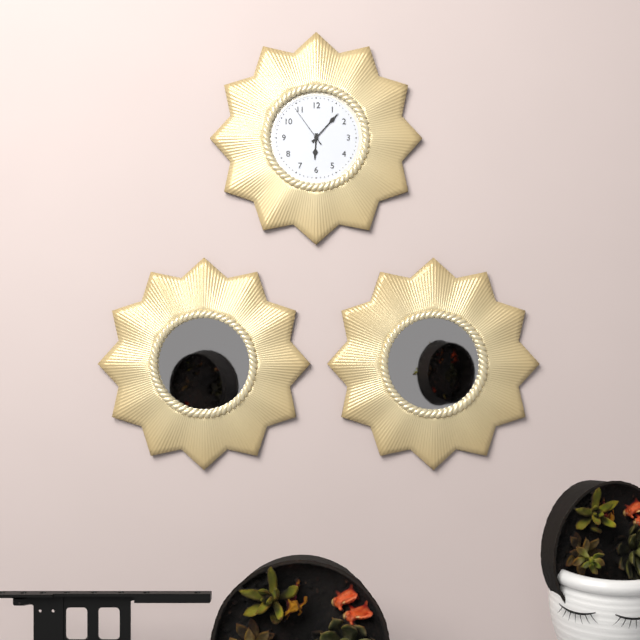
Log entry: 6:07
